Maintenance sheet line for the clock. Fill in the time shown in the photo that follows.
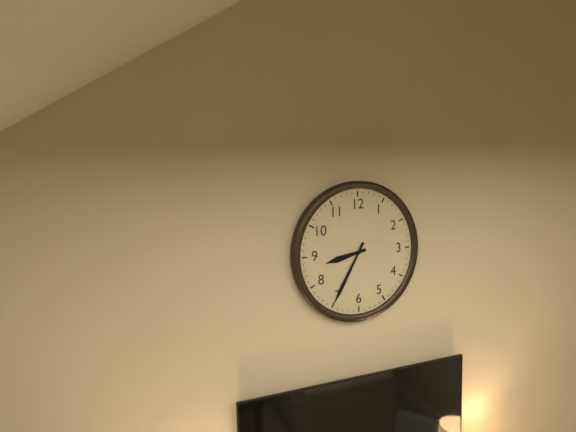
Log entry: 8:35
